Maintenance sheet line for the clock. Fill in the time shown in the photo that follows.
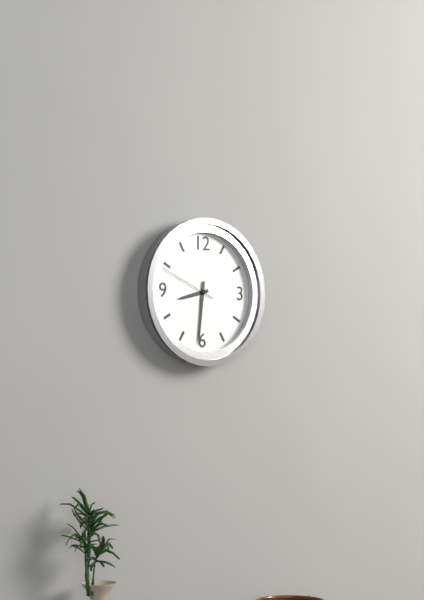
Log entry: 8:31:49
